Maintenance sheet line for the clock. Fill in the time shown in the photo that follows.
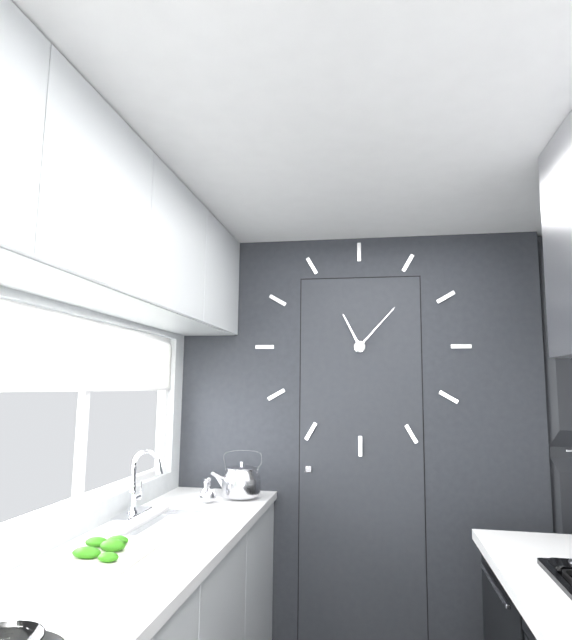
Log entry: 11:07
